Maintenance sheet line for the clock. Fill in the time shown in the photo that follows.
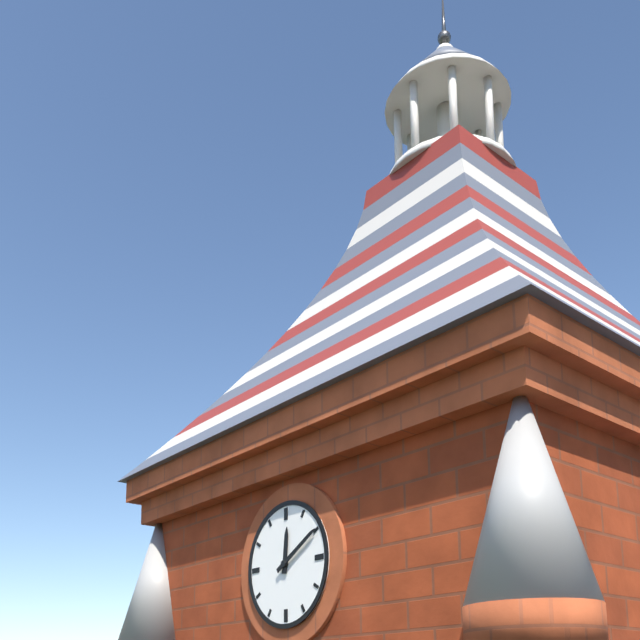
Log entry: 12:10
